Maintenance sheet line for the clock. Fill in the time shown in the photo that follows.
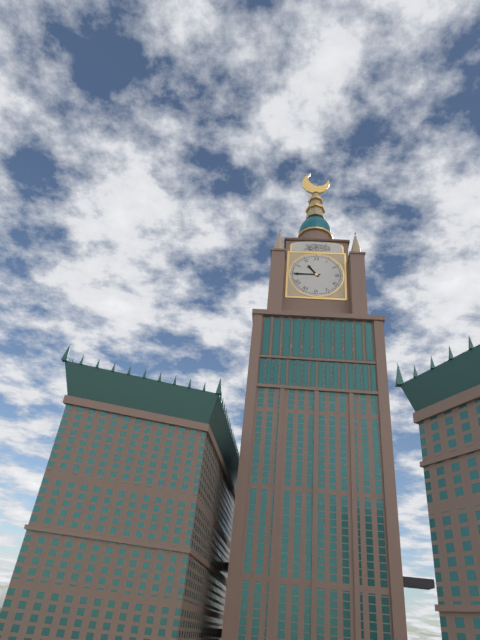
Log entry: 10:45
